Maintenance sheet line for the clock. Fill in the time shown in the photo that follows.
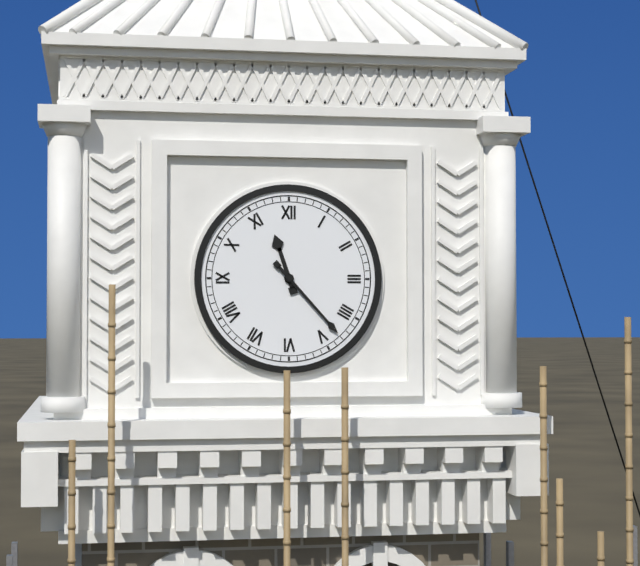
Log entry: 11:23
